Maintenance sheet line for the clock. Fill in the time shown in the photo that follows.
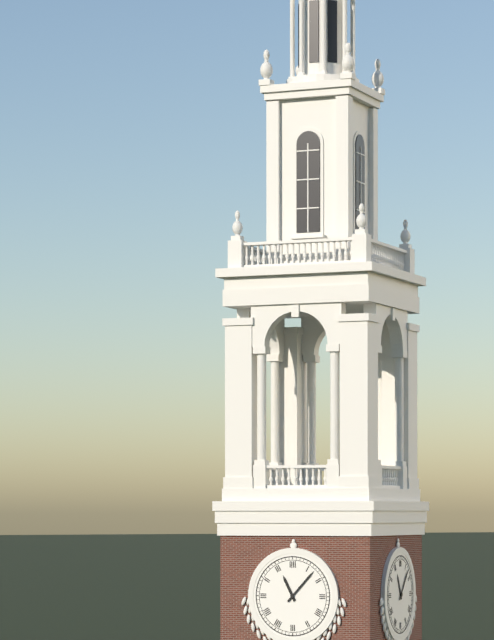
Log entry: 11:07
